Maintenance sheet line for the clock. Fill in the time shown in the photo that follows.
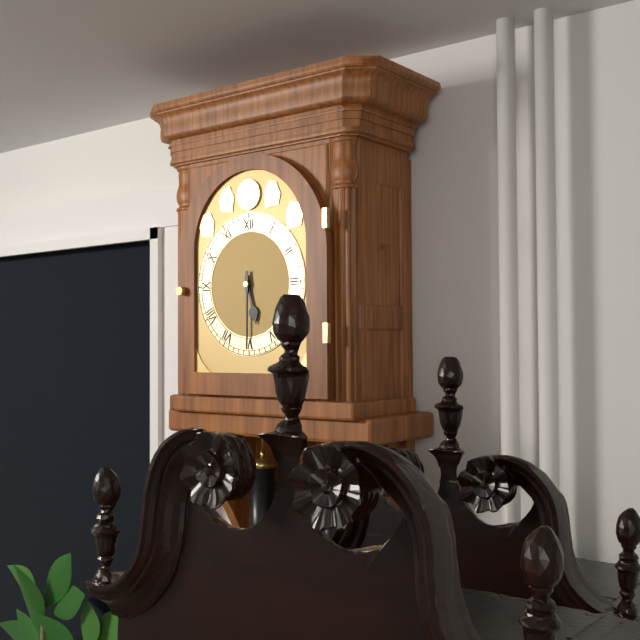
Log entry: 5:30
